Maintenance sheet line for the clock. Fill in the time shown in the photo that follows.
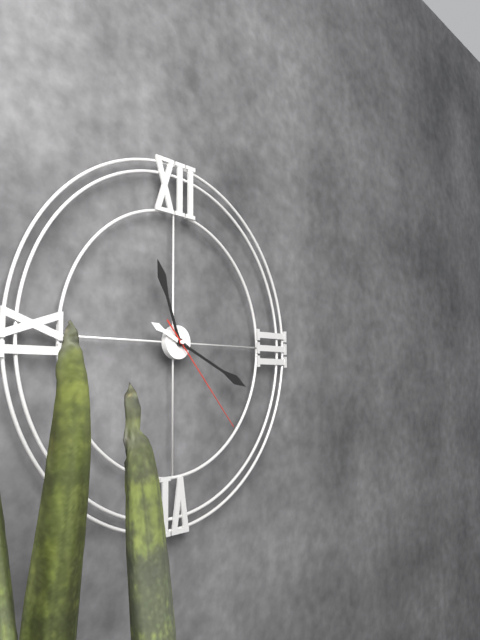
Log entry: 11:19:23
